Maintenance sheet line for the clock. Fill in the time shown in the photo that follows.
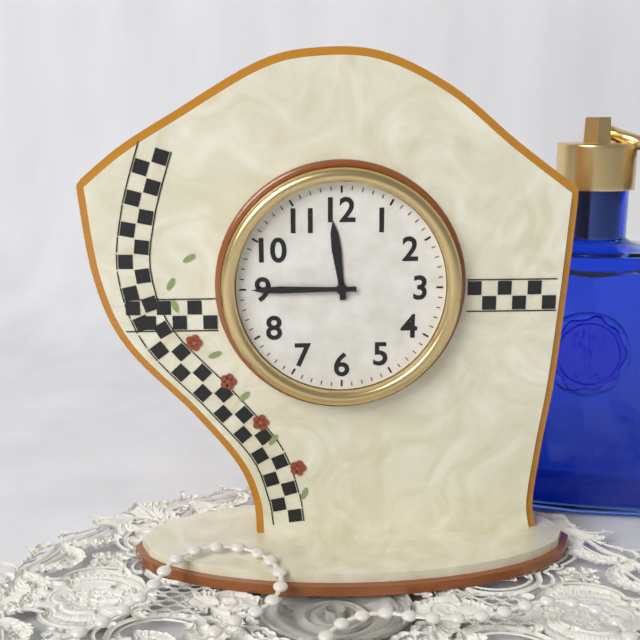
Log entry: 11:45
